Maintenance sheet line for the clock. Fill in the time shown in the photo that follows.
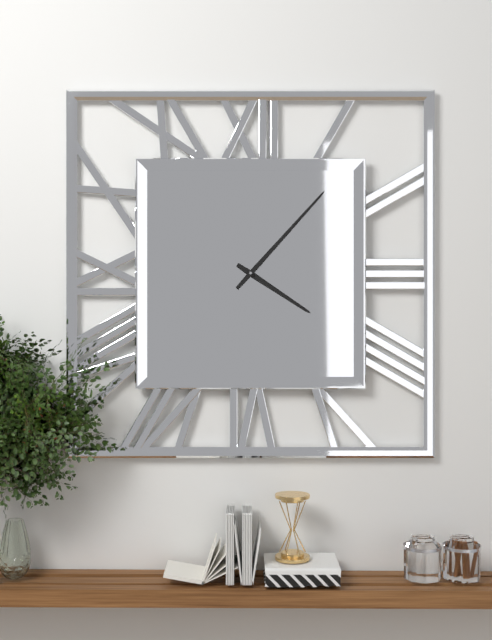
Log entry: 4:07
